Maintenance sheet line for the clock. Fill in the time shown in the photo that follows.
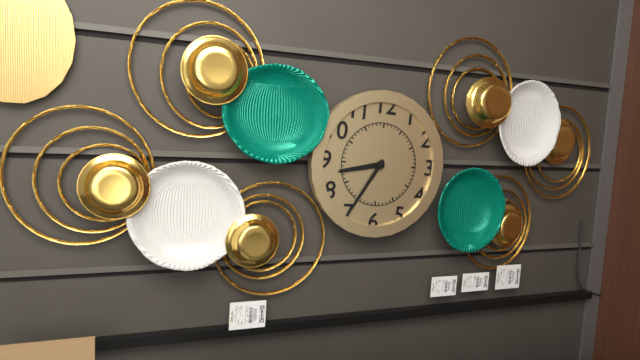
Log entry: 8:35
